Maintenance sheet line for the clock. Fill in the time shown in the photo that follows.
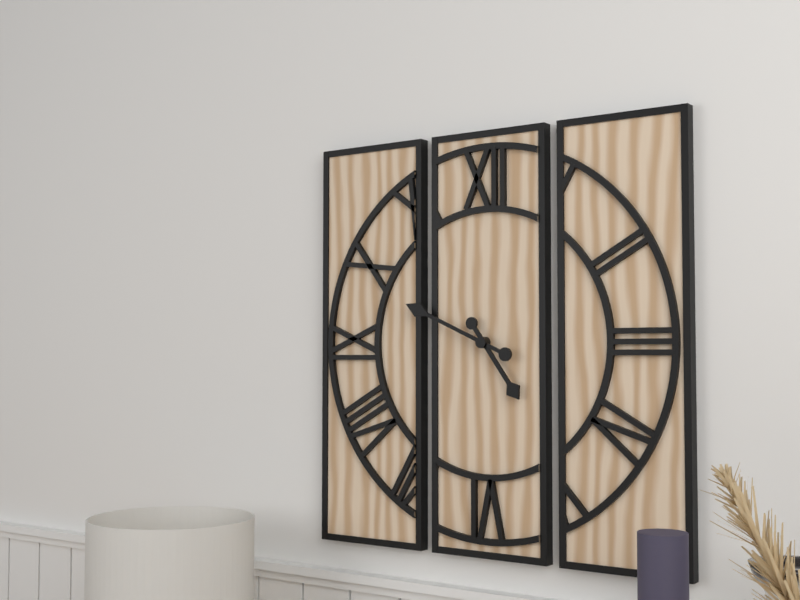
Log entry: 4:49
